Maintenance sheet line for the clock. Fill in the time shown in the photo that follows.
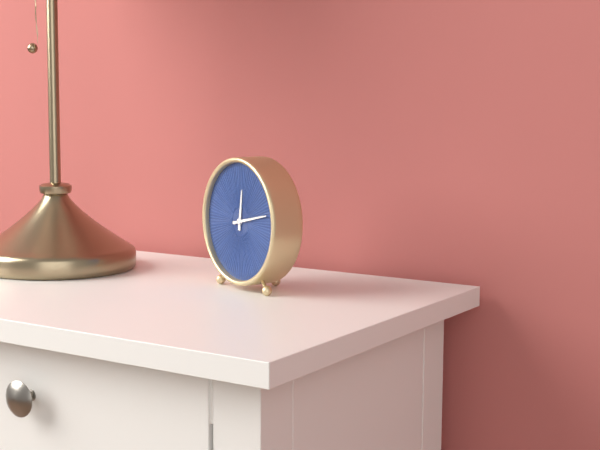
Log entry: 12:13
